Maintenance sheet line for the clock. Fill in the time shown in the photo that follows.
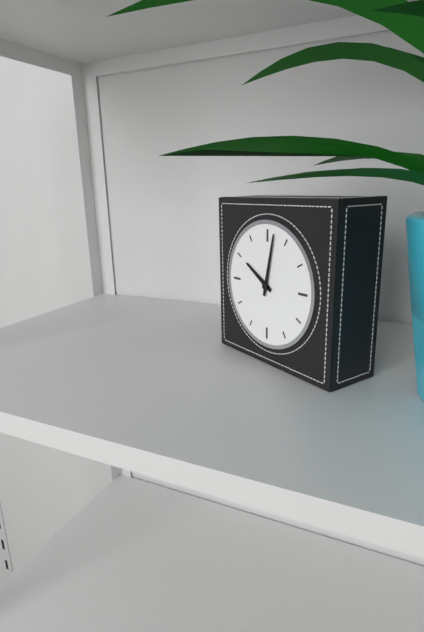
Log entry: 10:02
